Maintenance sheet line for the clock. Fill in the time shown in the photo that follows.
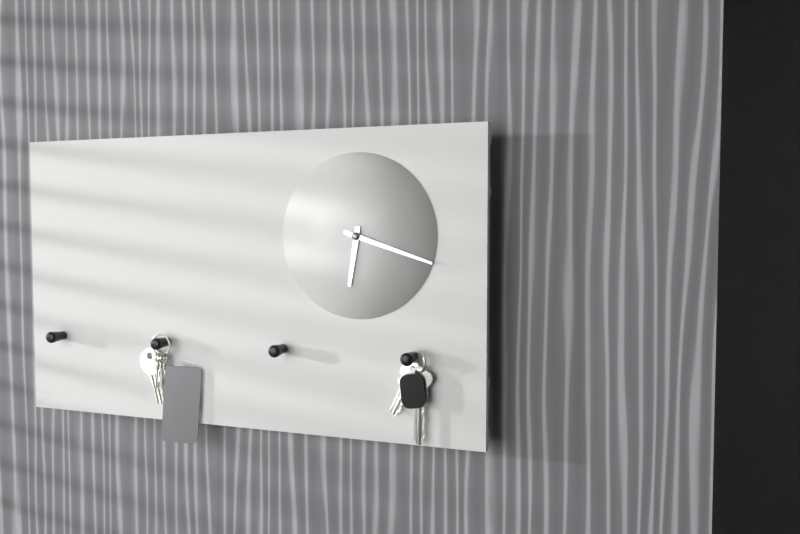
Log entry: 6:18
